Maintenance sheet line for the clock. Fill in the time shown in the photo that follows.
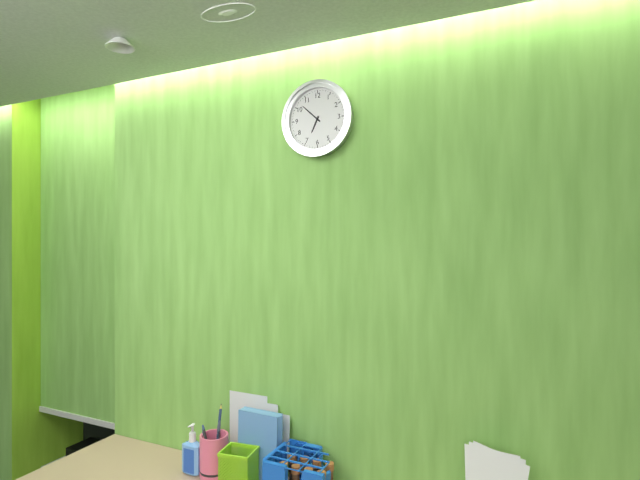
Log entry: 6:52
